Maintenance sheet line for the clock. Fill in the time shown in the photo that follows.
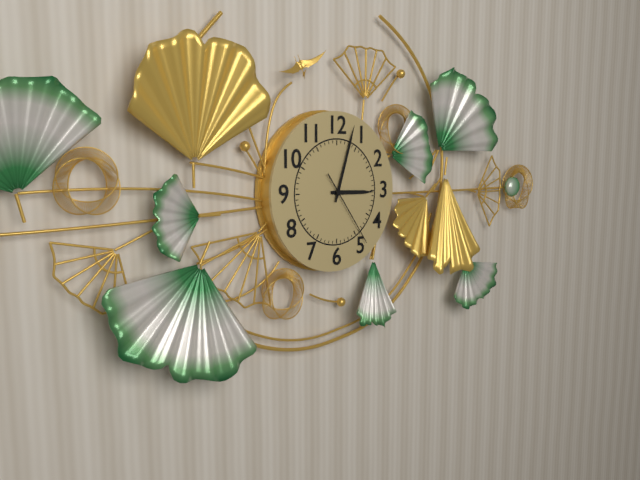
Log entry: 3:03:24
